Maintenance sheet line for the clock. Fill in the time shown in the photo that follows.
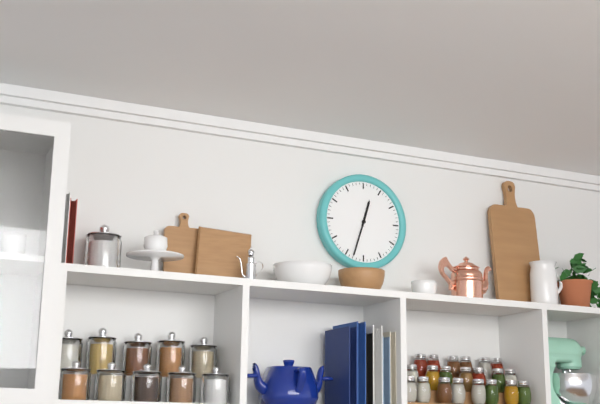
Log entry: 12:33
